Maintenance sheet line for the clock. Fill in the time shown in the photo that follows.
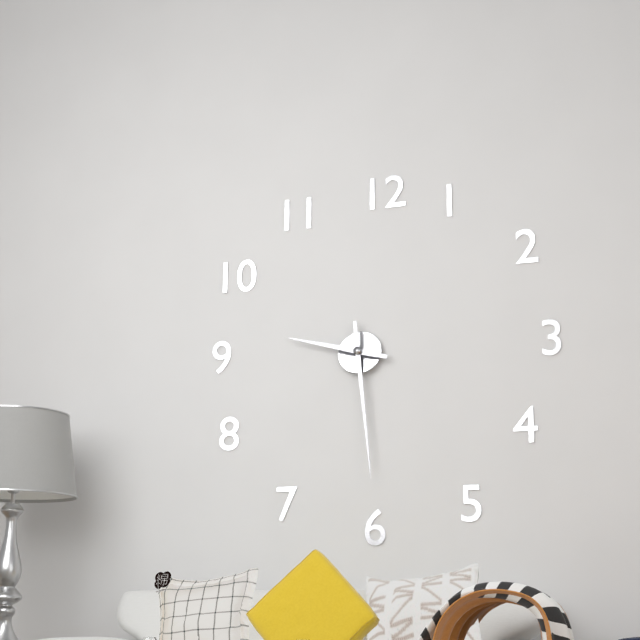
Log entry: 9:29
